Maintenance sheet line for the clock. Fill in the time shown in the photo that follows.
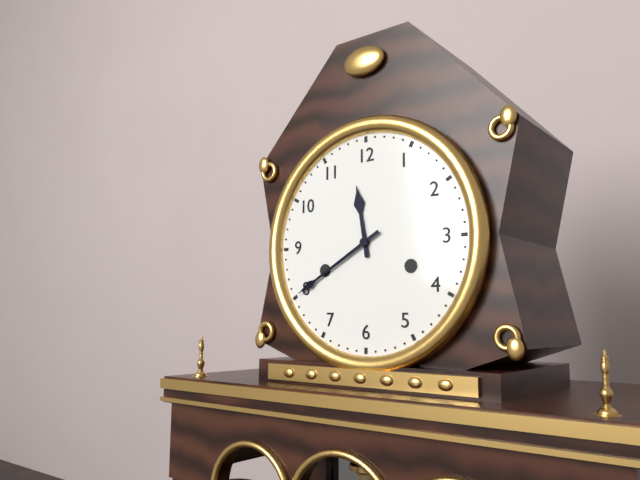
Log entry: 11:40
